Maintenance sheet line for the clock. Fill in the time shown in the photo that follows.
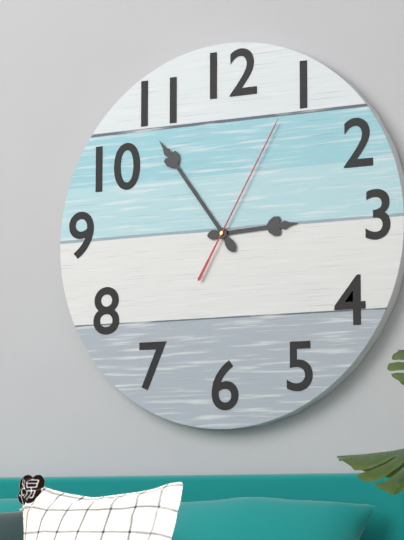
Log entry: 2:54:05
